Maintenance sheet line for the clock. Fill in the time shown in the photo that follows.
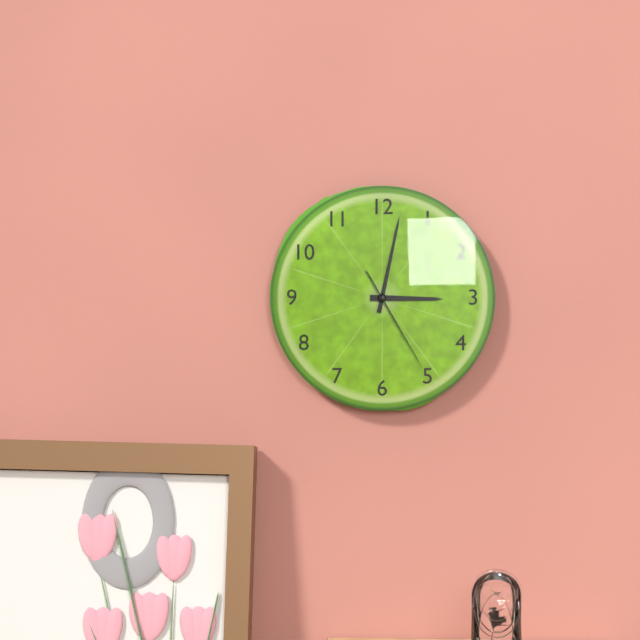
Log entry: 3:02:25
